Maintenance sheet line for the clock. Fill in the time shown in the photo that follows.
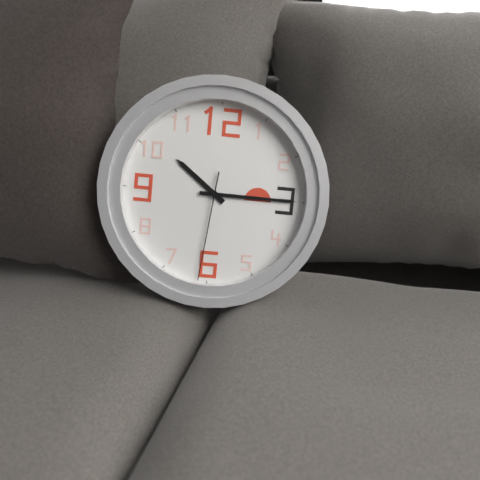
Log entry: 10:15:31
